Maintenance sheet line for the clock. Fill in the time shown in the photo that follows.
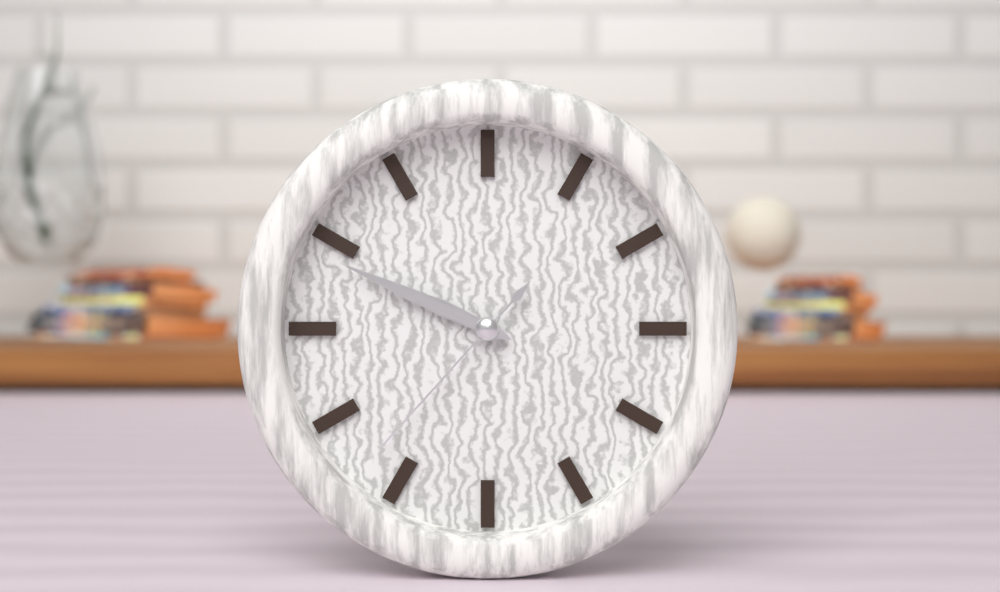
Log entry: 9:49:37
